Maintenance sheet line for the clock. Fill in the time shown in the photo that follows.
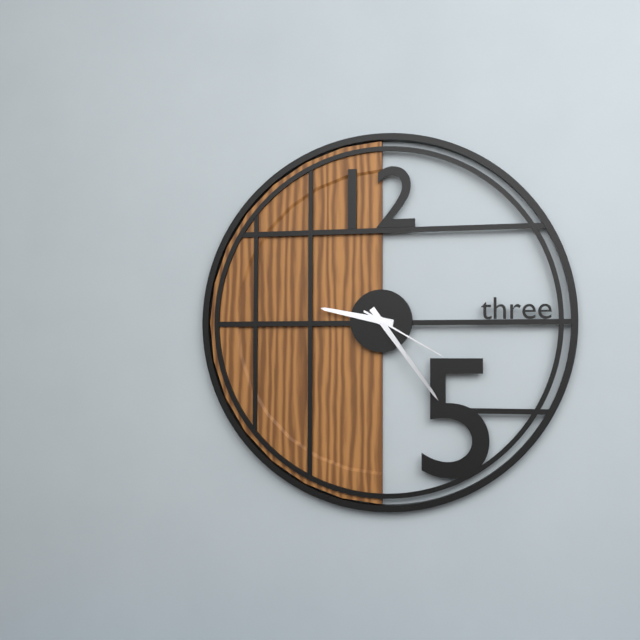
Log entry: 9:24:20
